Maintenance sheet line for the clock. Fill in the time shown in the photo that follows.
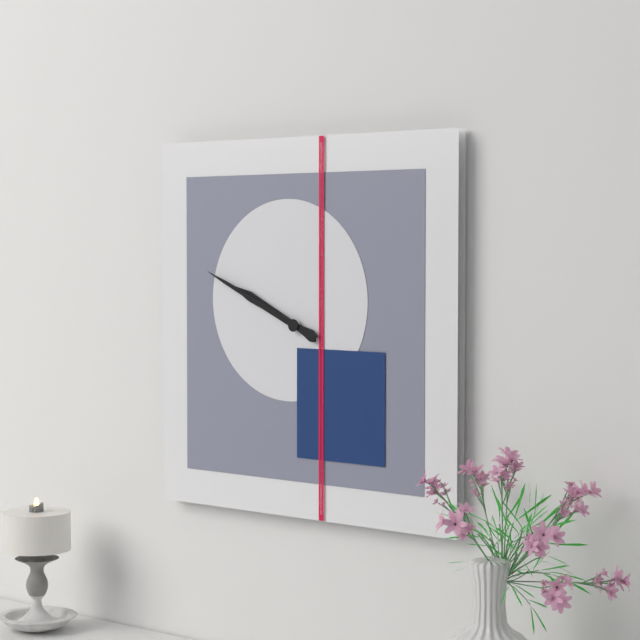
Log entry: 9:49
